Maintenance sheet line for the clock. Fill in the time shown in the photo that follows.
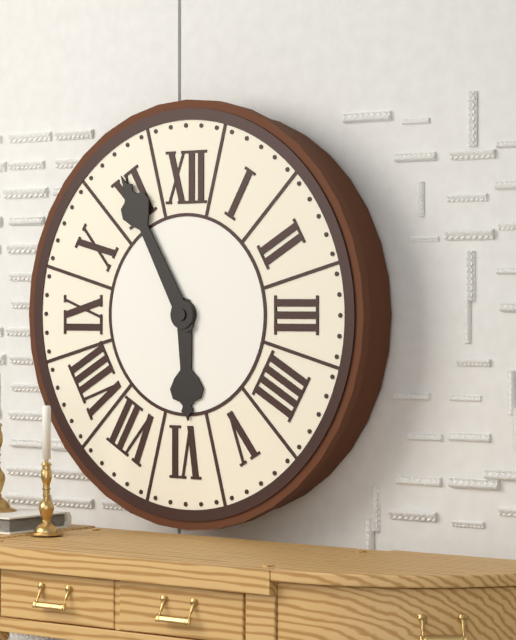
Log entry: 5:55
